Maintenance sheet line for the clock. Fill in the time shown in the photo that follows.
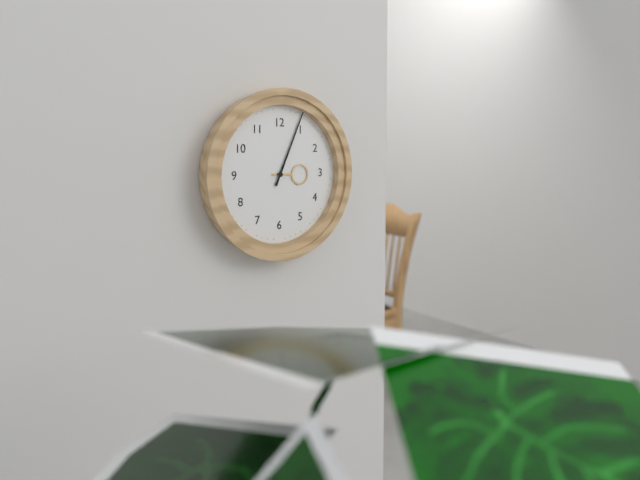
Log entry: 3:04
